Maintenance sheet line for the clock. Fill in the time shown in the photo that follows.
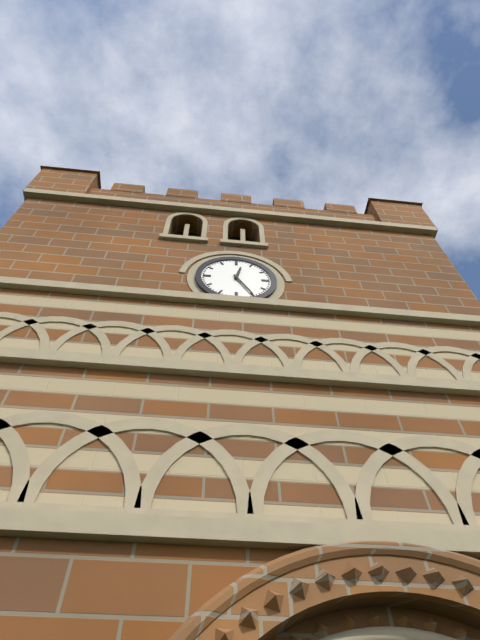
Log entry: 12:25
